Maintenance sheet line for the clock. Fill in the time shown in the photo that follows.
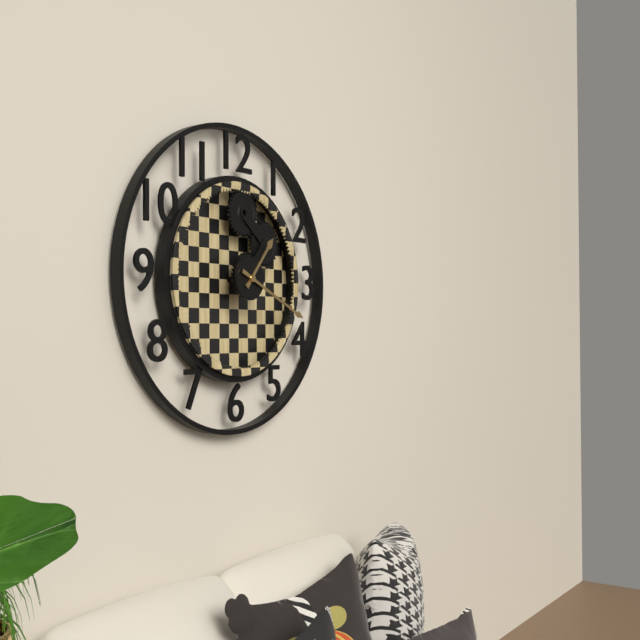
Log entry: 1:19
